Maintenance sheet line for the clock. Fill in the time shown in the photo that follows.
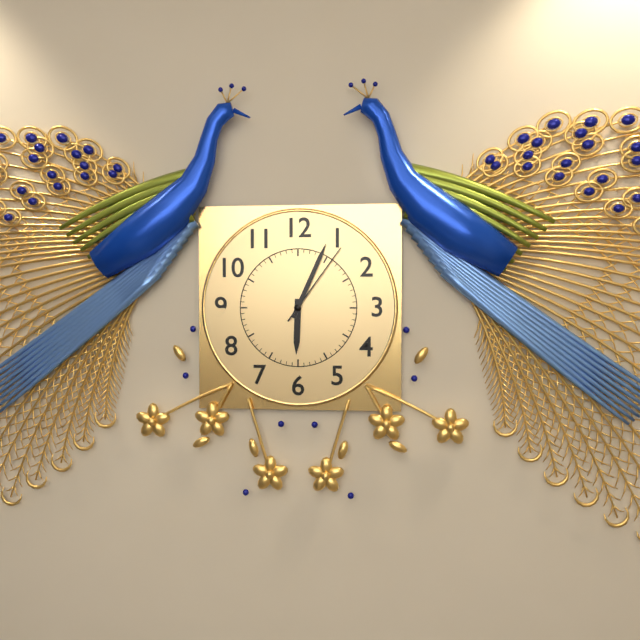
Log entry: 6:04:06
